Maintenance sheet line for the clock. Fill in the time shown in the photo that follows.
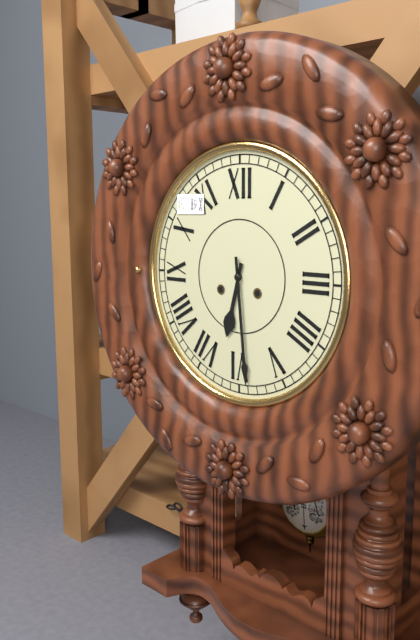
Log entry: 6:29
